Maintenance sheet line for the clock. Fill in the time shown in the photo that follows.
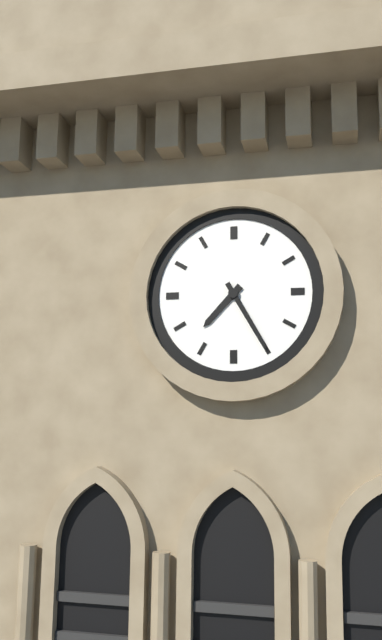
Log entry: 7:25
